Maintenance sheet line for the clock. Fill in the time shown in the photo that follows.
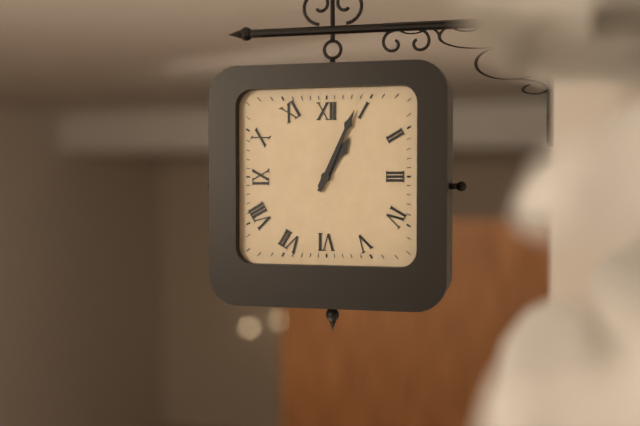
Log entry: 1:04
